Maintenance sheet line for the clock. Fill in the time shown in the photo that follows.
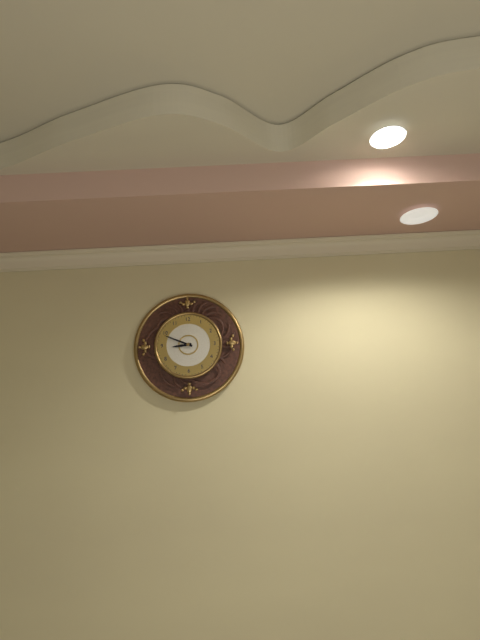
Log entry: 8:49
